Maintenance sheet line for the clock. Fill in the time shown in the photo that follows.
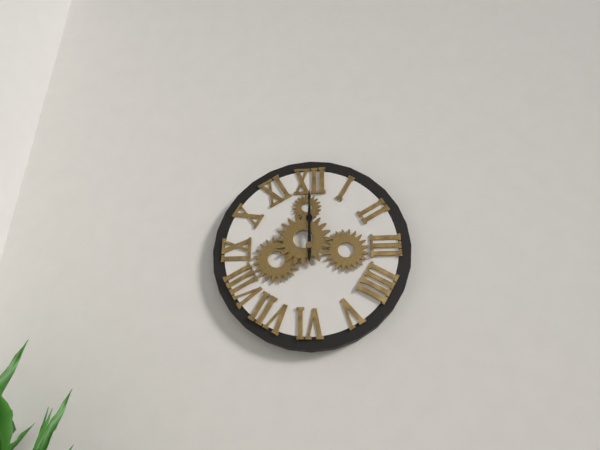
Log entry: 12:00
